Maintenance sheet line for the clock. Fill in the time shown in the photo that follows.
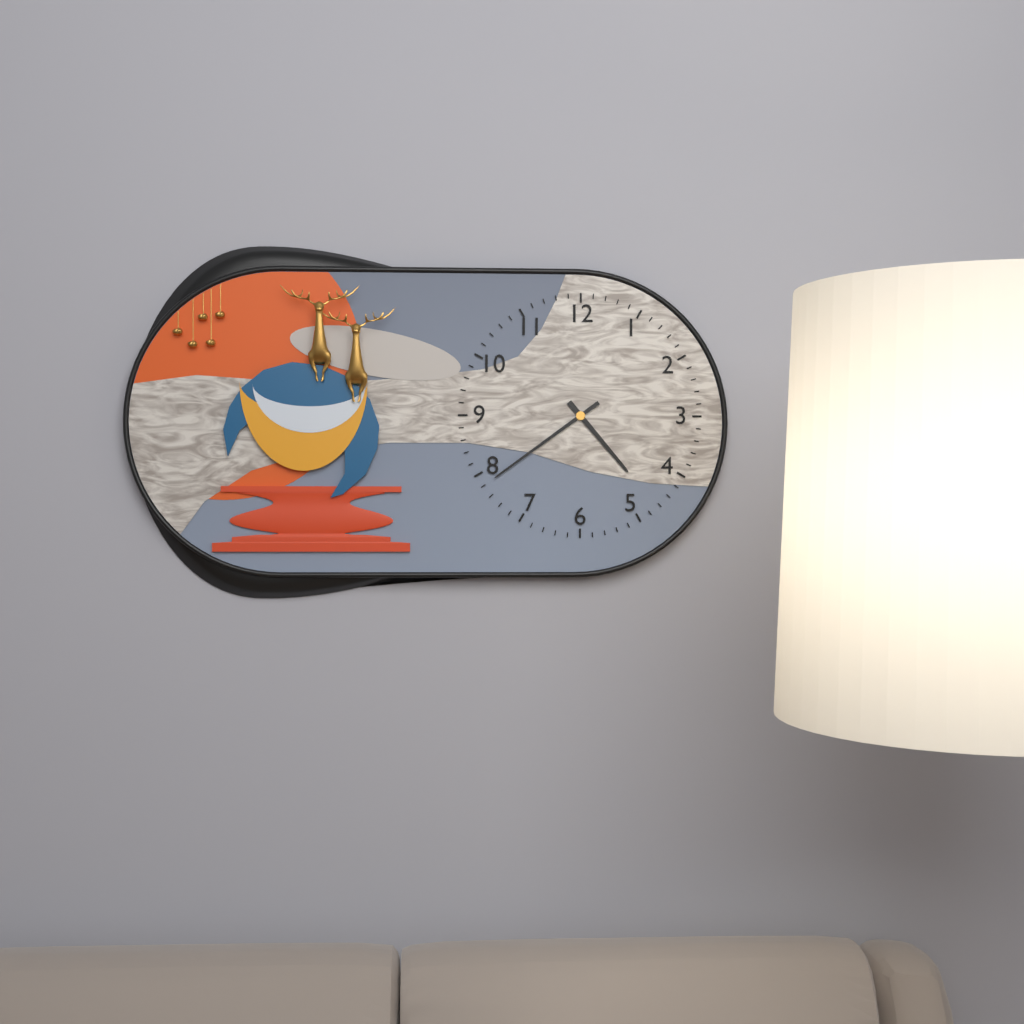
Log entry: 4:39
